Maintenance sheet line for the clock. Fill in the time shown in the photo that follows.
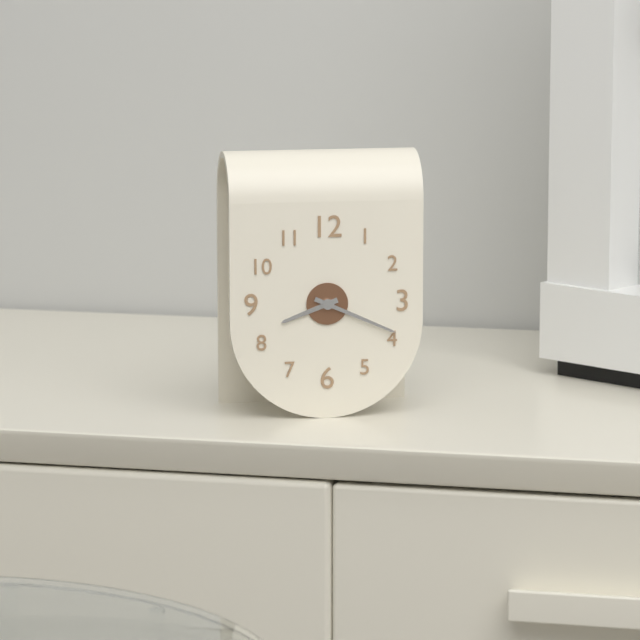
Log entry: 8:19
